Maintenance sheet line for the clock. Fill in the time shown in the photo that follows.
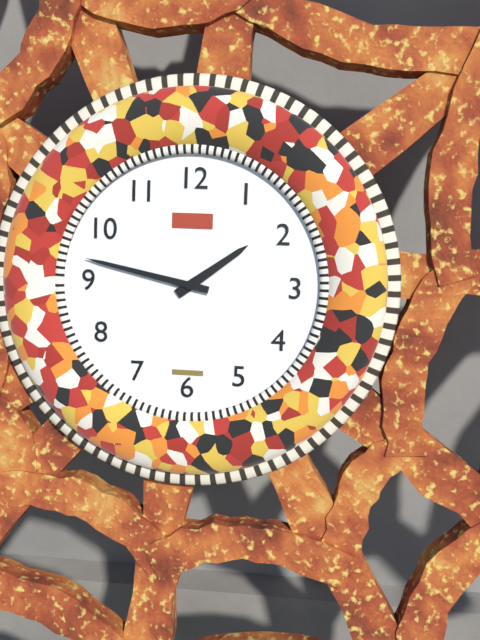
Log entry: 1:47
